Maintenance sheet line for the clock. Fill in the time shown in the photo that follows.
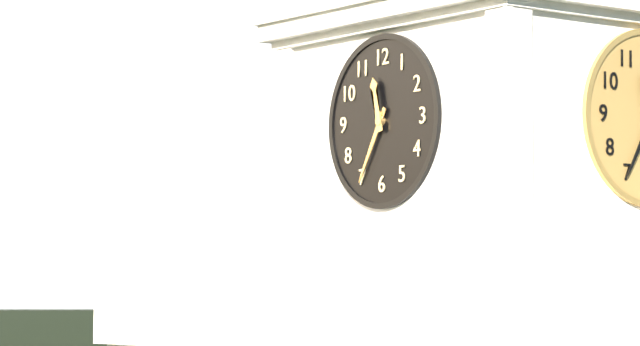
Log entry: 11:35
